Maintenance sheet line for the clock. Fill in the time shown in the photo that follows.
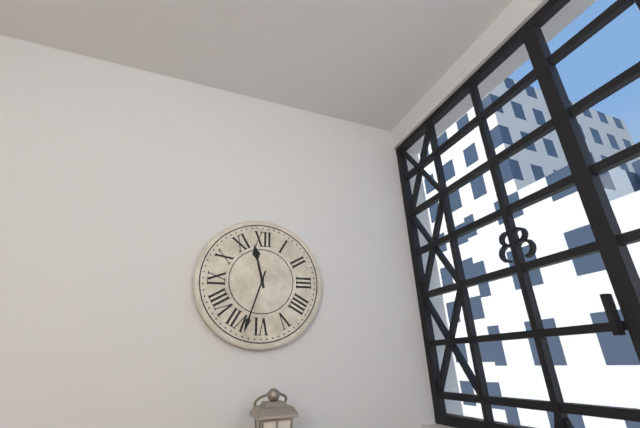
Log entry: 11:33
